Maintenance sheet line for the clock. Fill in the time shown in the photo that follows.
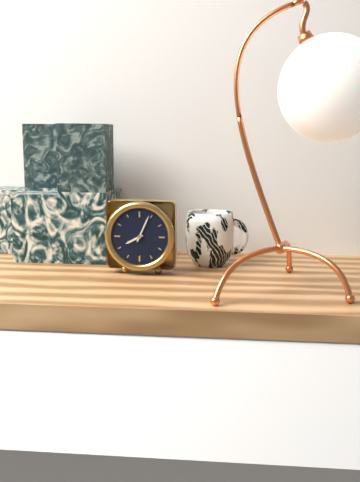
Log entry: 8:04
